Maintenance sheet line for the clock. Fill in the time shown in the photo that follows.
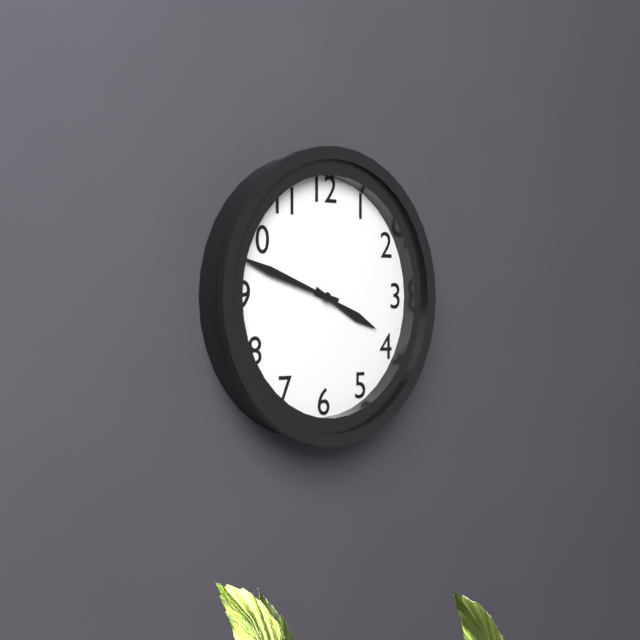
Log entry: 3:48
